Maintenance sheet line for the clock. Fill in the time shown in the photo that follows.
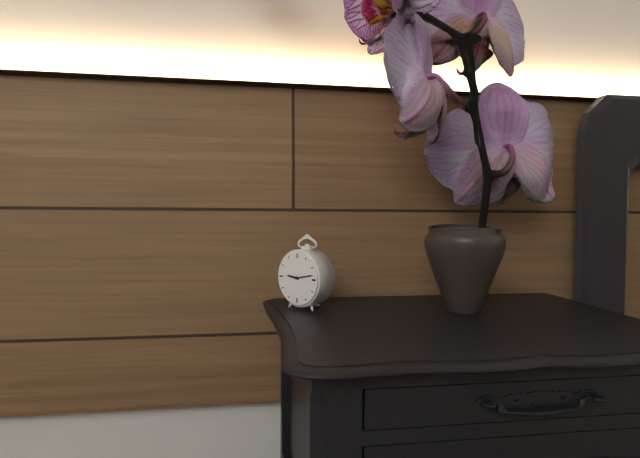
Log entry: 9:13
